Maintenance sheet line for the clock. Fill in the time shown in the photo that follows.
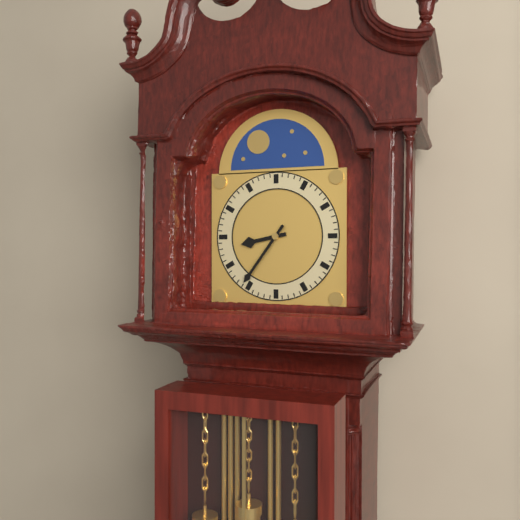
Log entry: 8:36
